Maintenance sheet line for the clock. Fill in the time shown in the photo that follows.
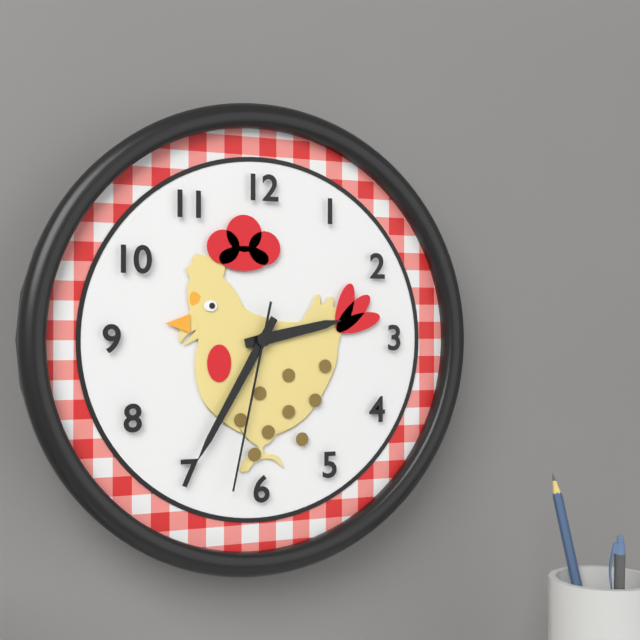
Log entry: 2:35:32
